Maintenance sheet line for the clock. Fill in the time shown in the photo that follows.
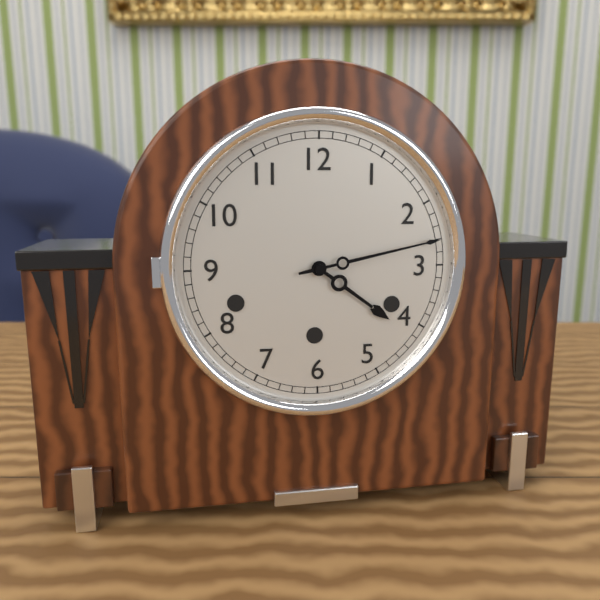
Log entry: 4:13
